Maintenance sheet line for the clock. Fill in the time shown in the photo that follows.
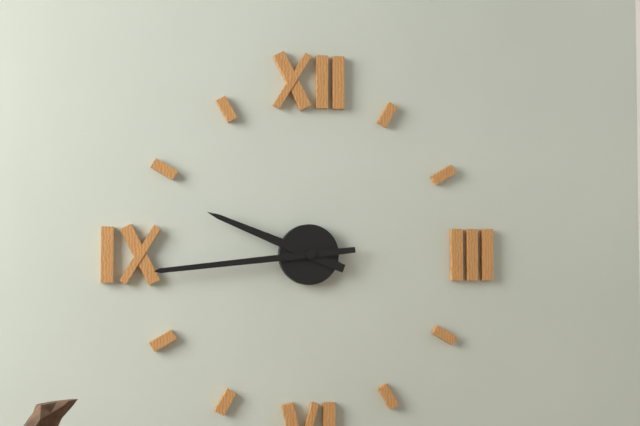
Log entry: 9:44
